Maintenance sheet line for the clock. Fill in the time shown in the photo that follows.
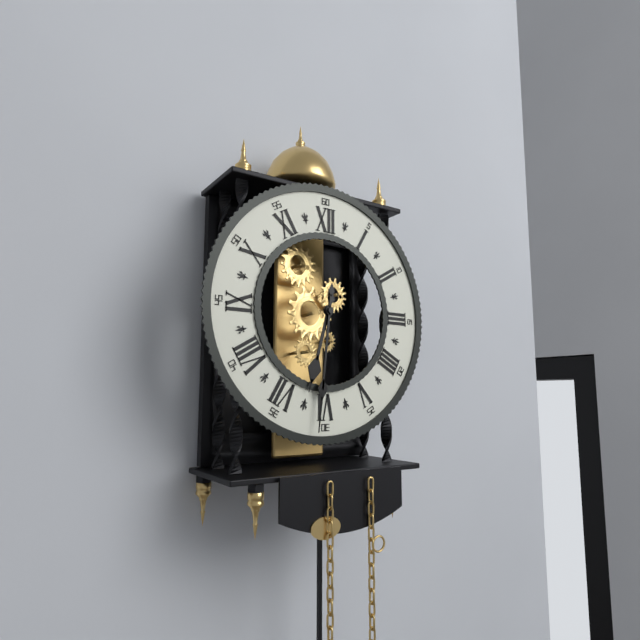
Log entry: 6:31
